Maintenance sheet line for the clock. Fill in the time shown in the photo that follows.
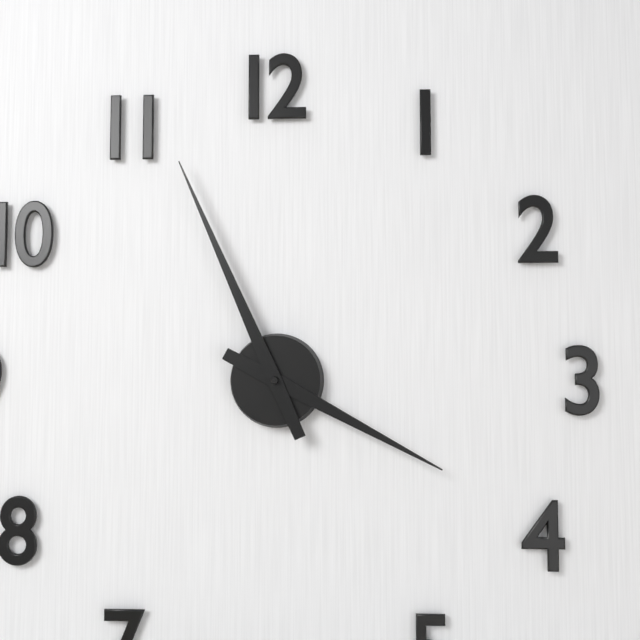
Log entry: 3:56
